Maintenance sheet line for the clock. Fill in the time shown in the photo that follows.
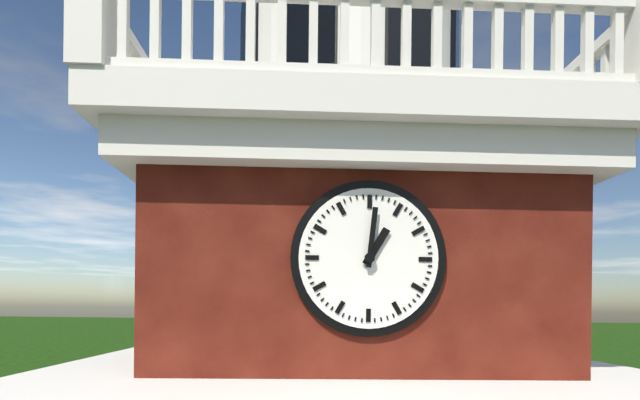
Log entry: 1:01
